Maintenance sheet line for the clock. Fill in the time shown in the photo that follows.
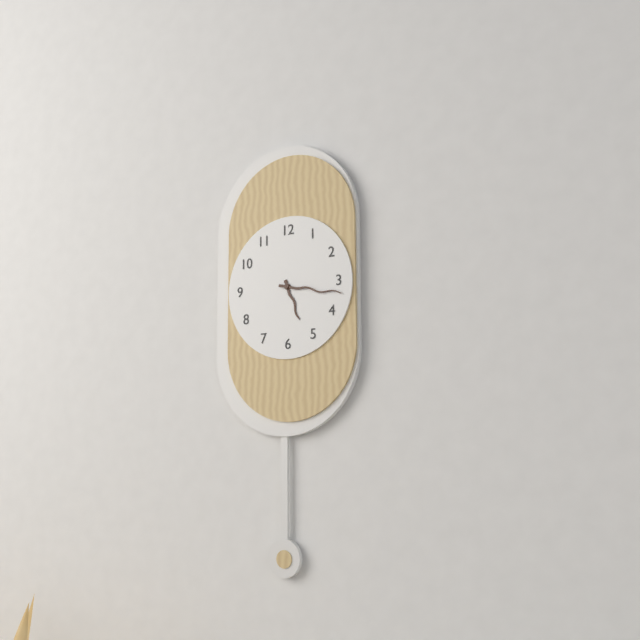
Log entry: 5:17
